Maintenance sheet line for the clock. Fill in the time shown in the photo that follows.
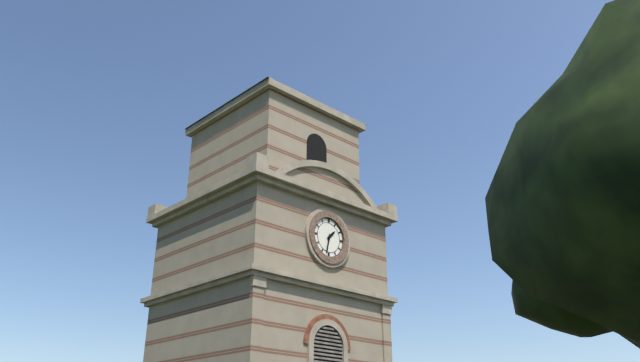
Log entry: 1:32
